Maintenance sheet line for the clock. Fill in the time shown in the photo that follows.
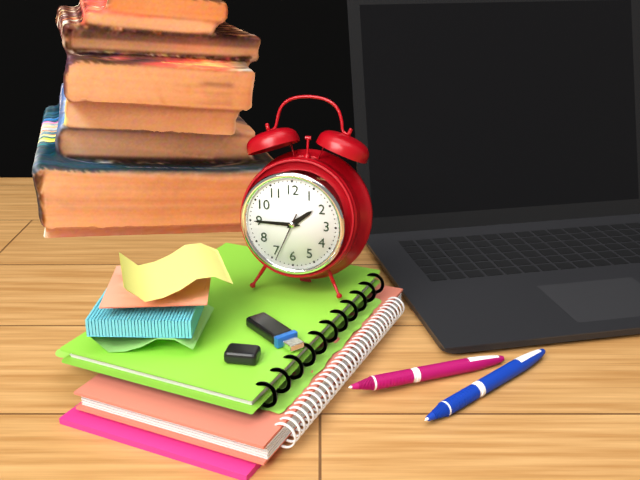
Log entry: 1:45
